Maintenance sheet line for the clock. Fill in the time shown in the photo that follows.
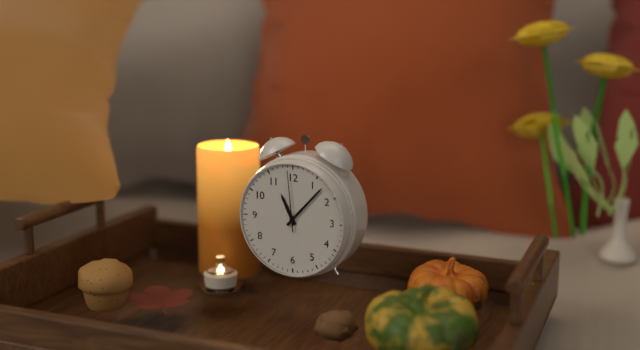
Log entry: 11:07:59
